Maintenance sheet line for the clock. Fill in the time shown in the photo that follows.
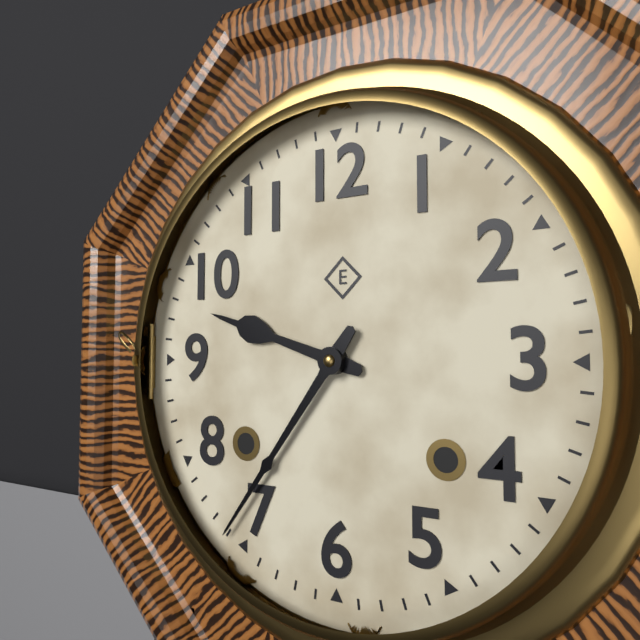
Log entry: 9:36
